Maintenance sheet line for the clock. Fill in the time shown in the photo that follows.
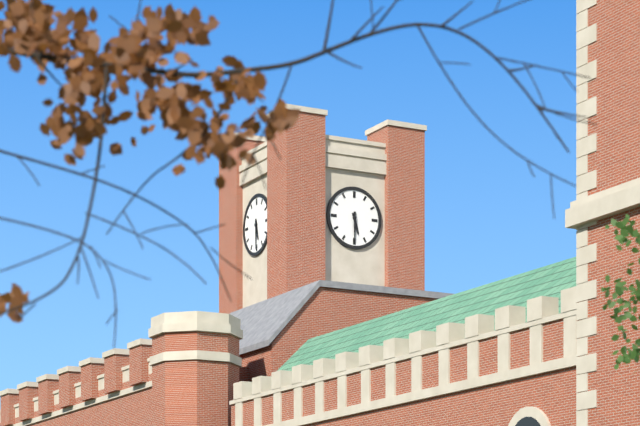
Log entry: 5:30
